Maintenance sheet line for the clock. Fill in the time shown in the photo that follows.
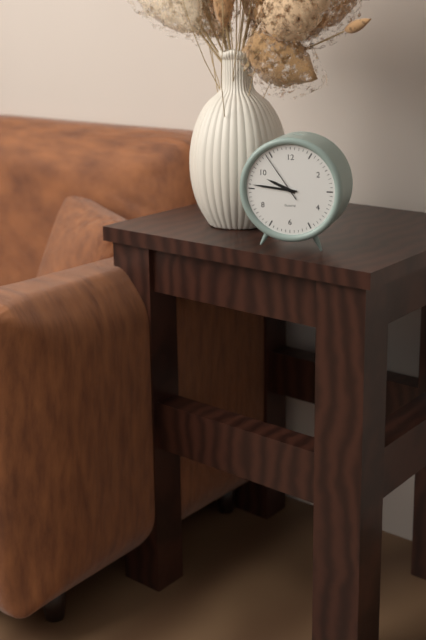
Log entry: 9:46:54
